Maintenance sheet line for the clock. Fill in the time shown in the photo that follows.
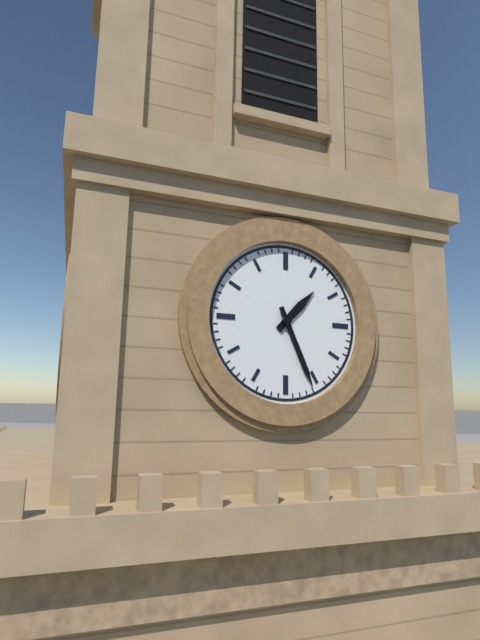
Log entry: 1:26
